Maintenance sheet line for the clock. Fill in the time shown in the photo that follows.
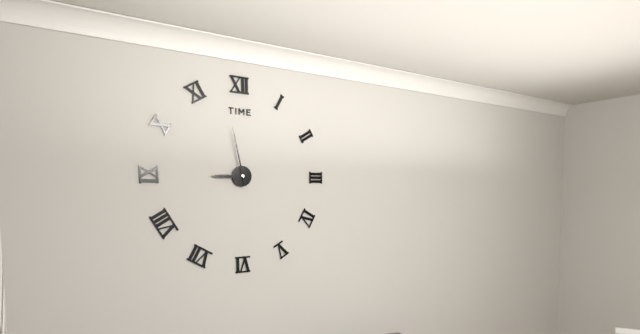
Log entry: 8:58
